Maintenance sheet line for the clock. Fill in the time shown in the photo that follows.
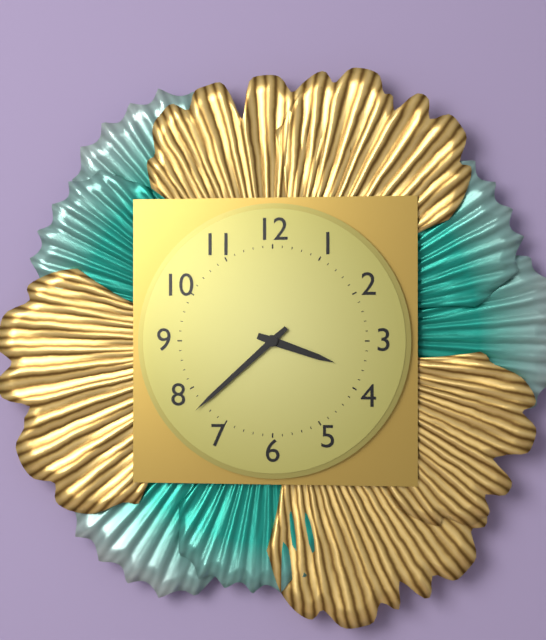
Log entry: 3:38
